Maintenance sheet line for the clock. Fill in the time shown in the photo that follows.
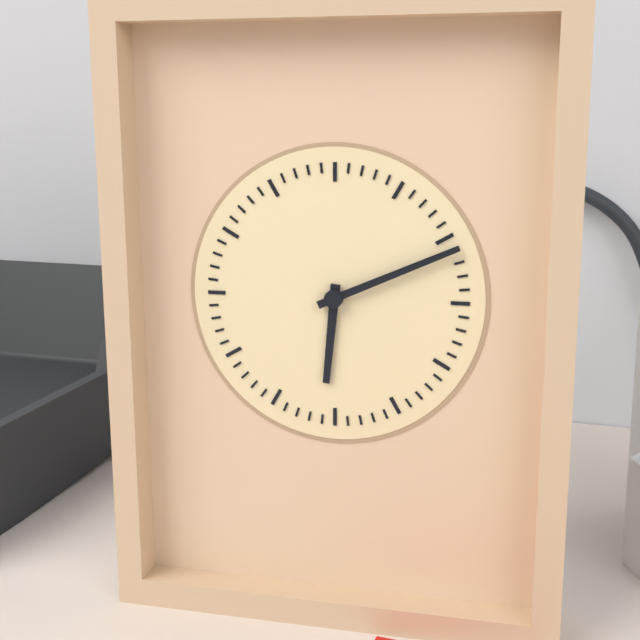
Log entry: 6:11
